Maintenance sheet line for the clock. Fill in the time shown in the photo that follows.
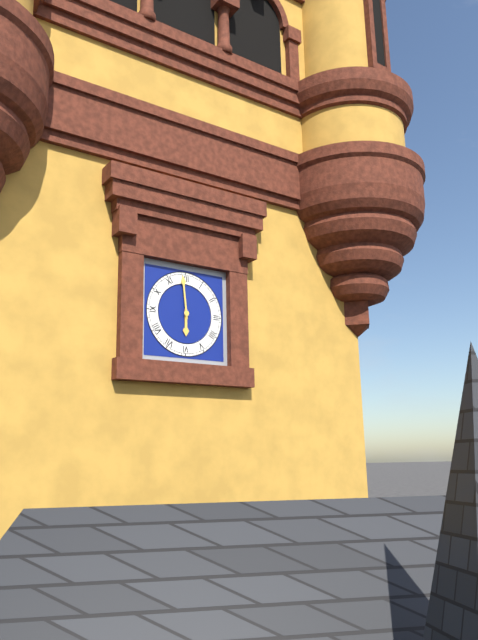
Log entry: 5:59
